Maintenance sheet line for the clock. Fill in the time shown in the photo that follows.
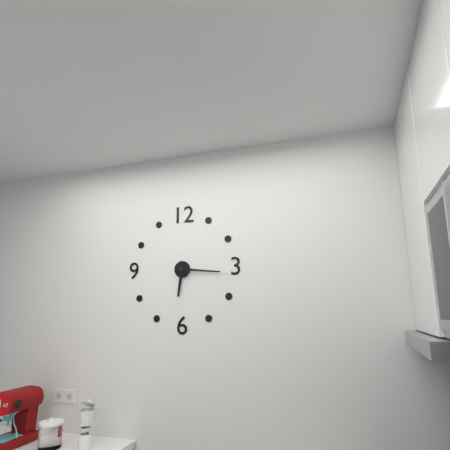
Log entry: 6:16
